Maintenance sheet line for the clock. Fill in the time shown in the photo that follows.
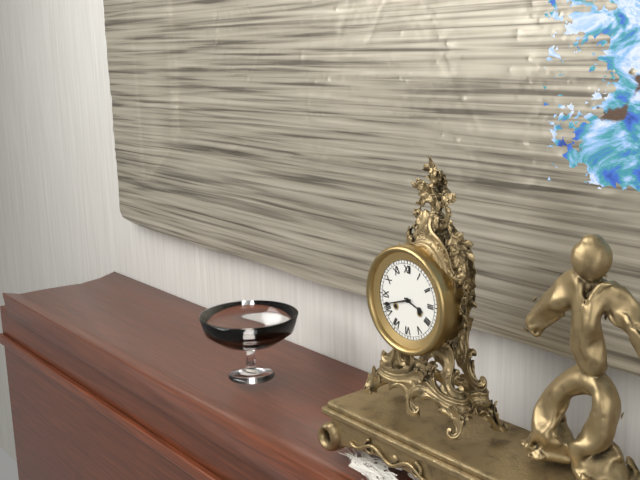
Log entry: 3:42
